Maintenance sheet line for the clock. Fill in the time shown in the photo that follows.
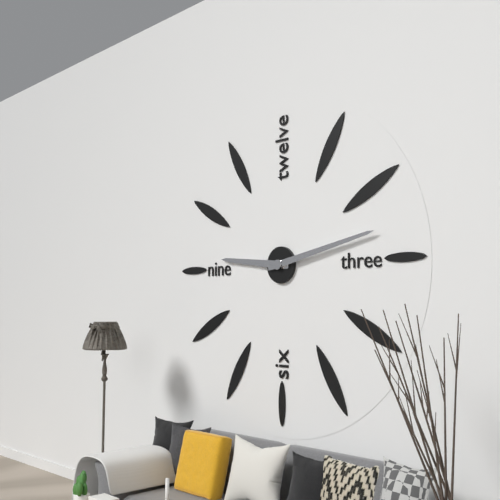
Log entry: 9:13
